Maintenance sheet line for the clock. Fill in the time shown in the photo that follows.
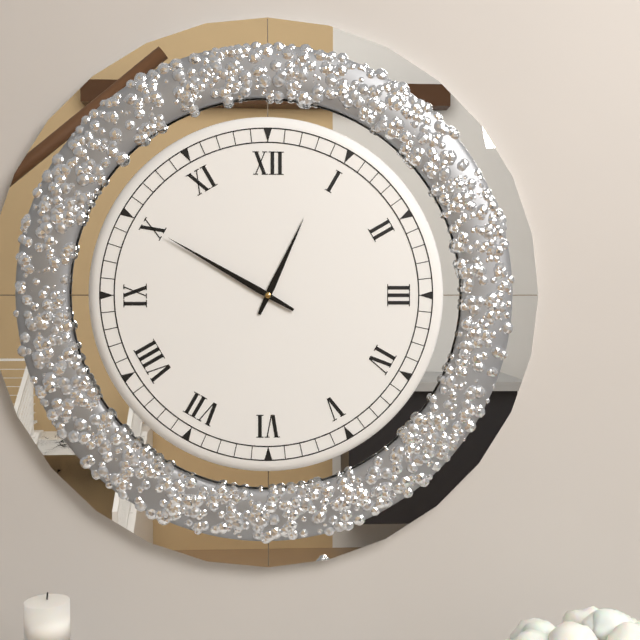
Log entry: 12:50
